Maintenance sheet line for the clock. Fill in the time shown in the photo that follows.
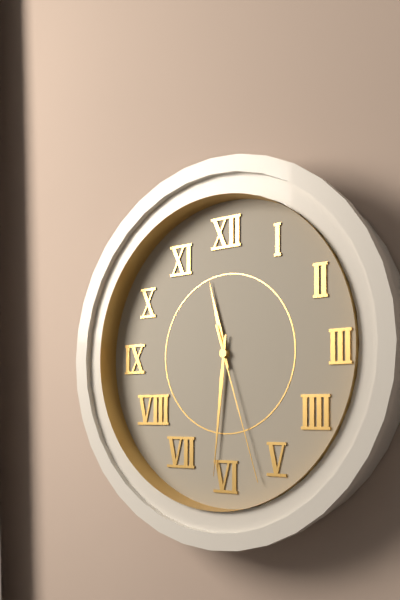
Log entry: 11:31:27
